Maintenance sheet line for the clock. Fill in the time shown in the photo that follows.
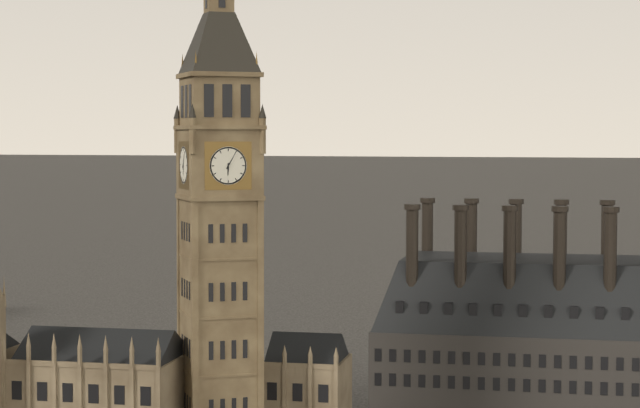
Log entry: 6:05
